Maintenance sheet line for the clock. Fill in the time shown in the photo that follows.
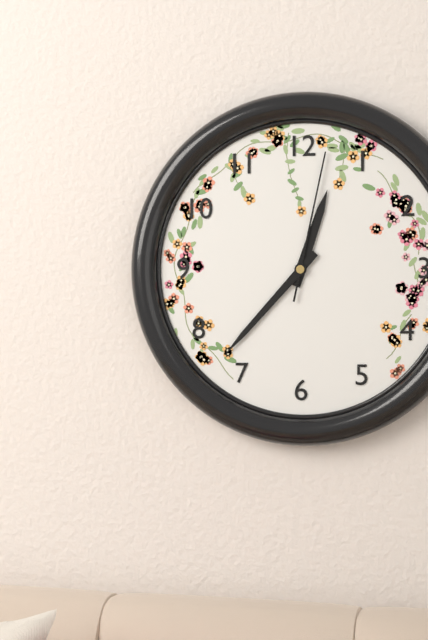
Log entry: 12:37:02
